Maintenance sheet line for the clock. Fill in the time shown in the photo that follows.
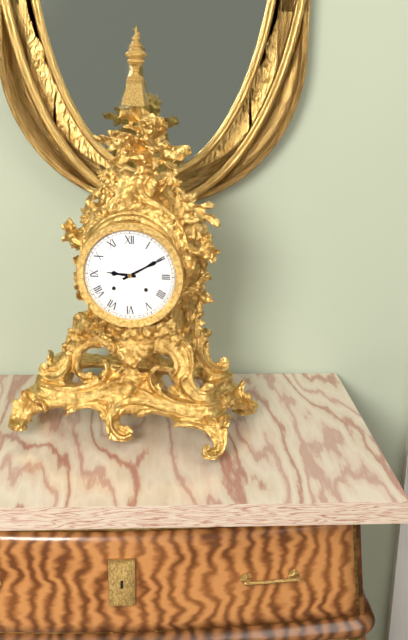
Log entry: 9:10
